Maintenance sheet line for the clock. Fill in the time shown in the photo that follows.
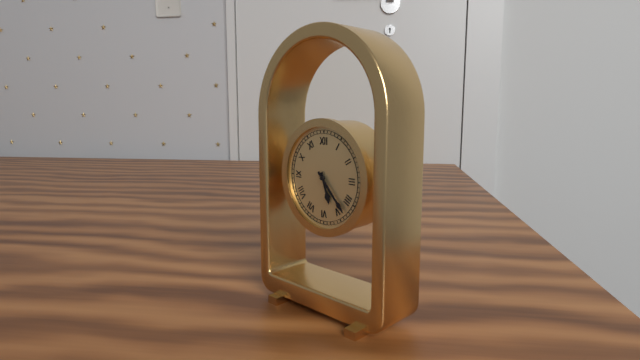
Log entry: 5:23
